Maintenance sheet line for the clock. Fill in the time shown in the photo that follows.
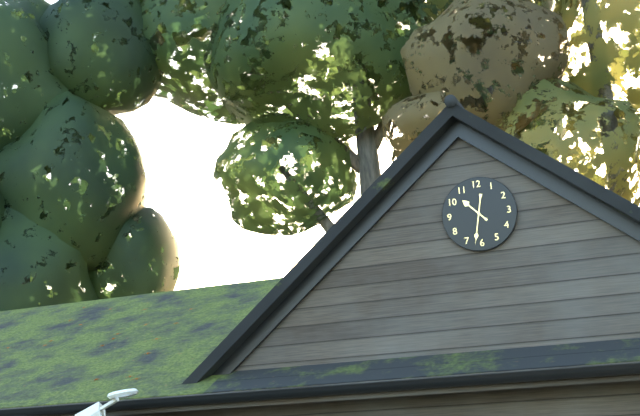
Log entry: 10:32
